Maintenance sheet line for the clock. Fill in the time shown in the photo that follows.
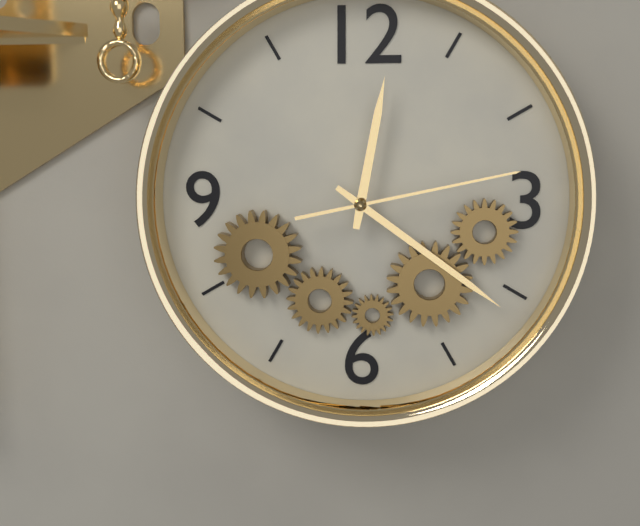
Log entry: 12:21:13
